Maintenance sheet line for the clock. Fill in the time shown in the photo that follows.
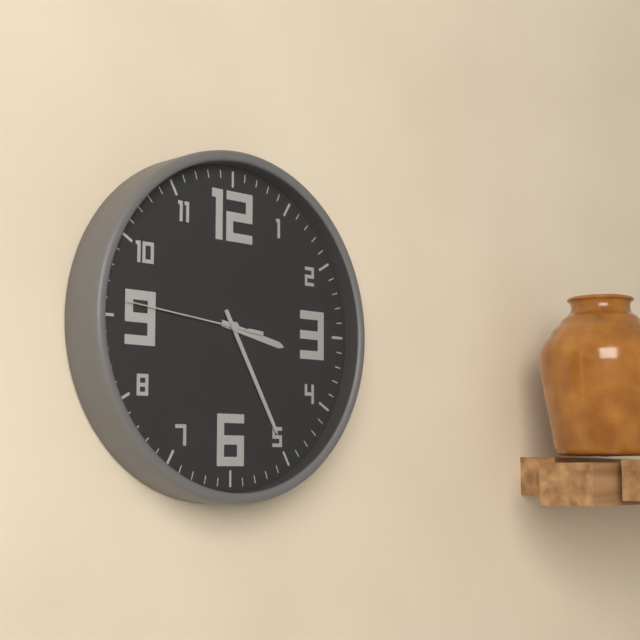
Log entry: 3:25:46
